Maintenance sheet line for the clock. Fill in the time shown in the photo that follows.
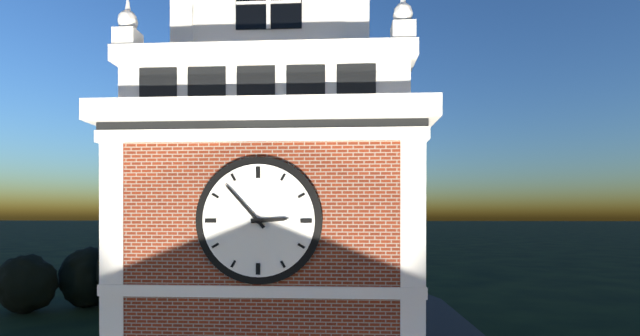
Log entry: 2:53
